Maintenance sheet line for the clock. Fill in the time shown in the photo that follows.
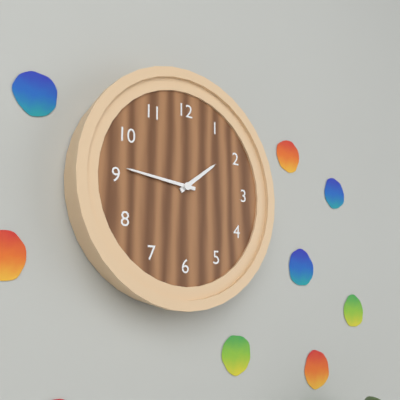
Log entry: 1:46
